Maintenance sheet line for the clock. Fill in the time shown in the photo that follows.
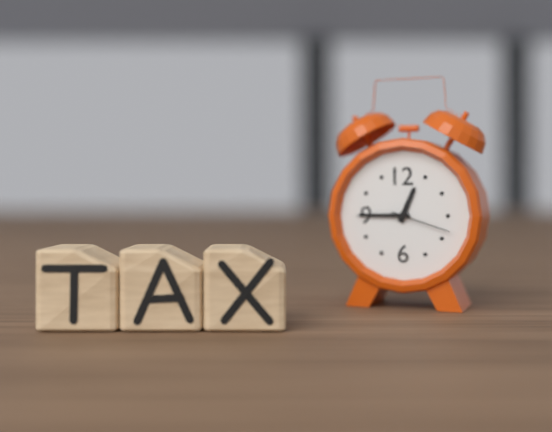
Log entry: 12:45:18
